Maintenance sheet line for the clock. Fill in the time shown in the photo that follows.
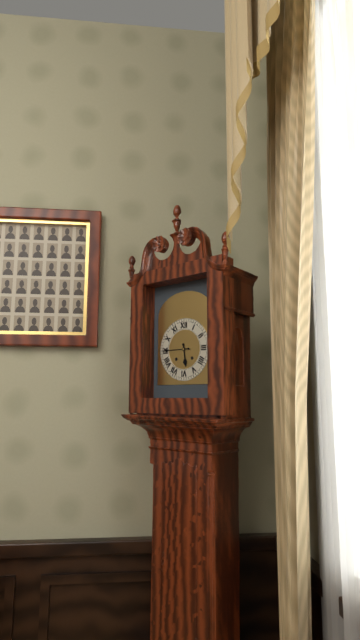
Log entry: 5:45
